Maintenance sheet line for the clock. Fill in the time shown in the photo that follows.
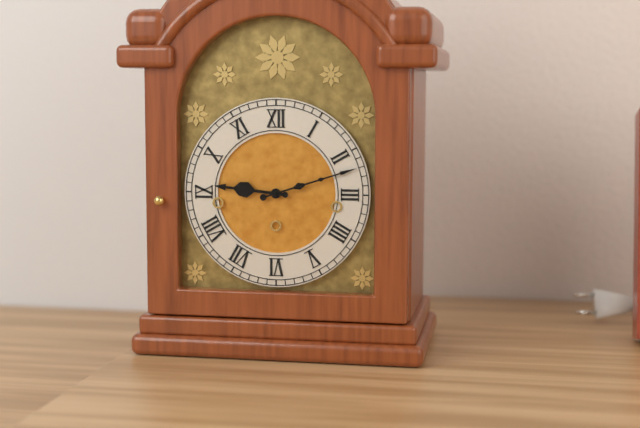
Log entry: 9:12
